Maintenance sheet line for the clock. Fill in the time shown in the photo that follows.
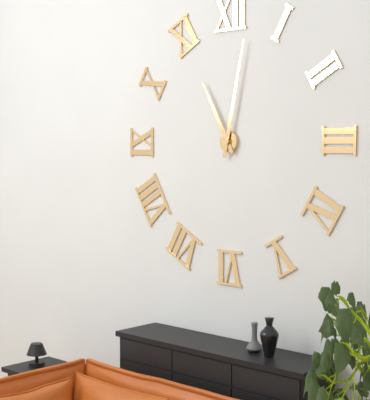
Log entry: 11:02
